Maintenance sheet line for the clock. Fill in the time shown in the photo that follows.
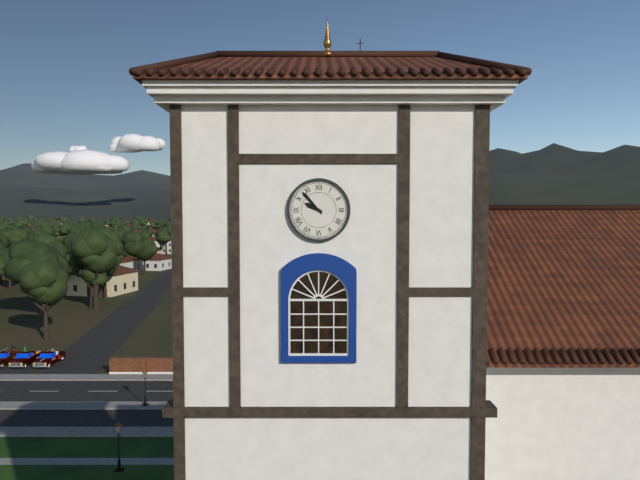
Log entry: 9:53
